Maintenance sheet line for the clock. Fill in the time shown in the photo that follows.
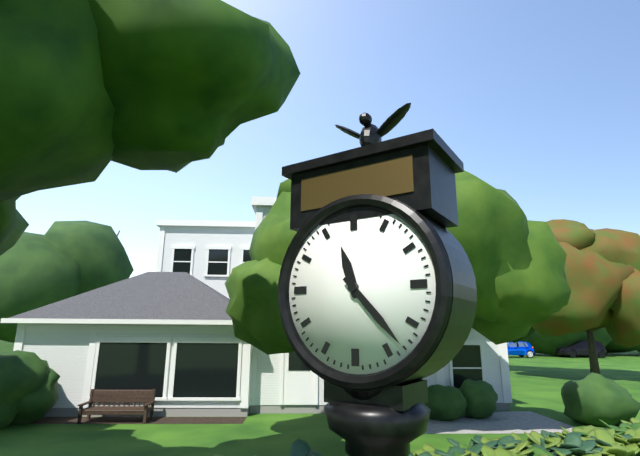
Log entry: 11:23
